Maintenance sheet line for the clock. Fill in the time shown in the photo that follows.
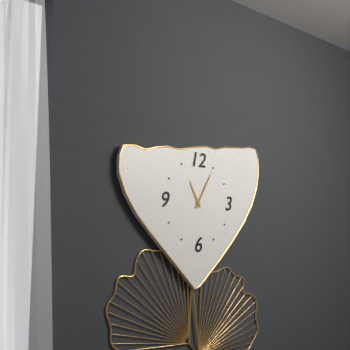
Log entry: 11:05
